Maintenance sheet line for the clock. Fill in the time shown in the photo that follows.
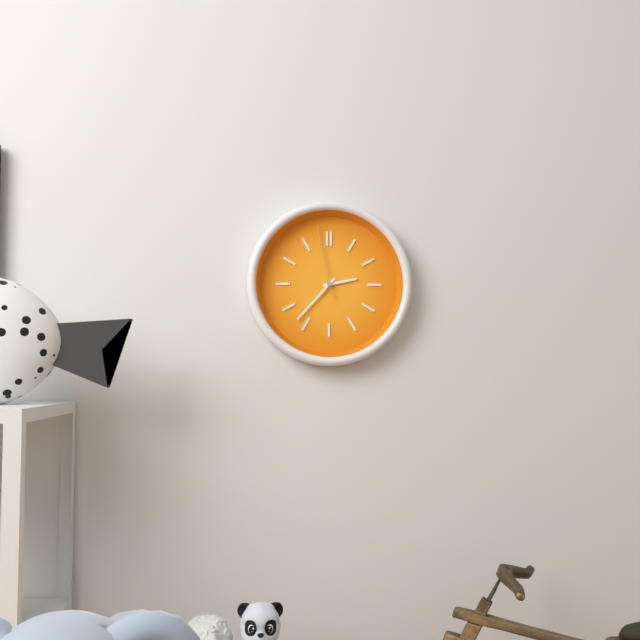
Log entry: 2:37:58
